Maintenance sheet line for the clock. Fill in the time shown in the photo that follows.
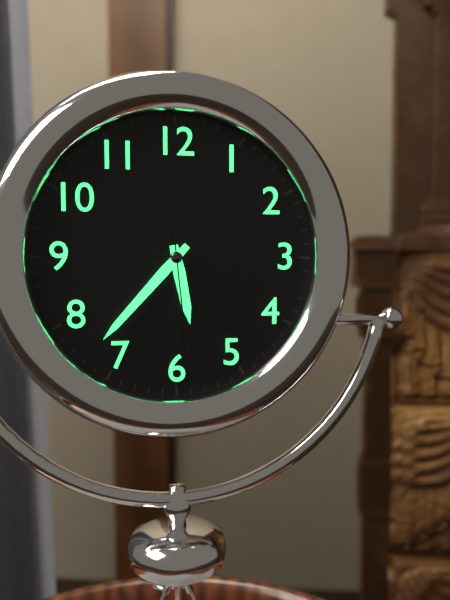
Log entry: 5:37:29
